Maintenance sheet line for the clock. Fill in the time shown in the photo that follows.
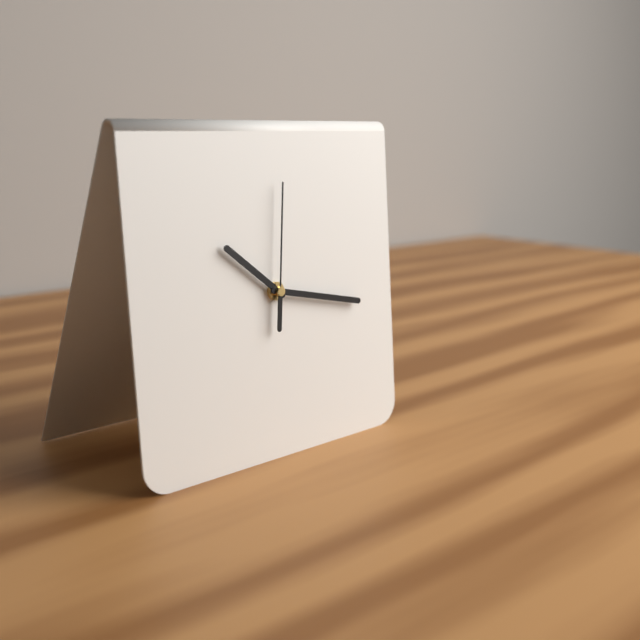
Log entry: 10:17:01
